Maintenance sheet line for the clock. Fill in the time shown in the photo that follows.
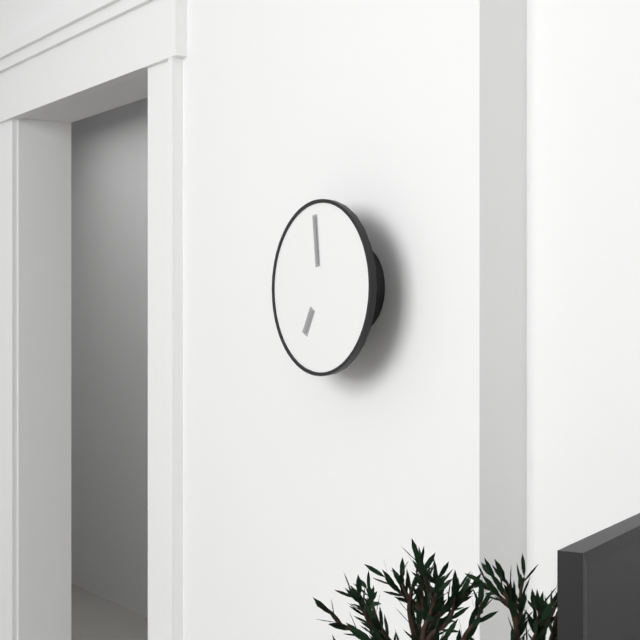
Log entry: 6:59
